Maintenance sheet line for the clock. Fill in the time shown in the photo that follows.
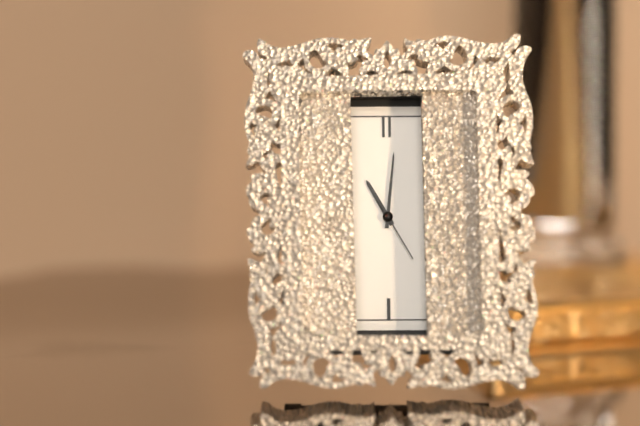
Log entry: 11:01:25
